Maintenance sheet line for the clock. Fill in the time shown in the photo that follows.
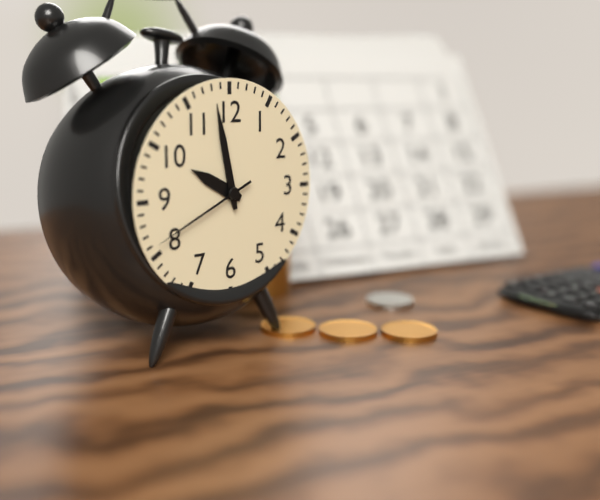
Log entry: 9:58:41
